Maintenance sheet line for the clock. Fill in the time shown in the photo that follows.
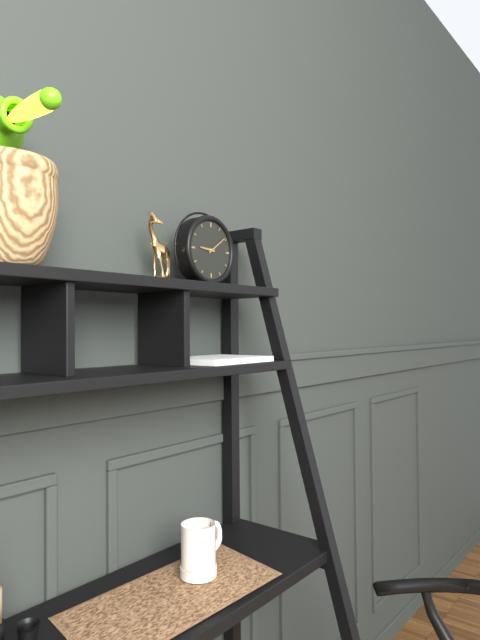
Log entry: 9:09
